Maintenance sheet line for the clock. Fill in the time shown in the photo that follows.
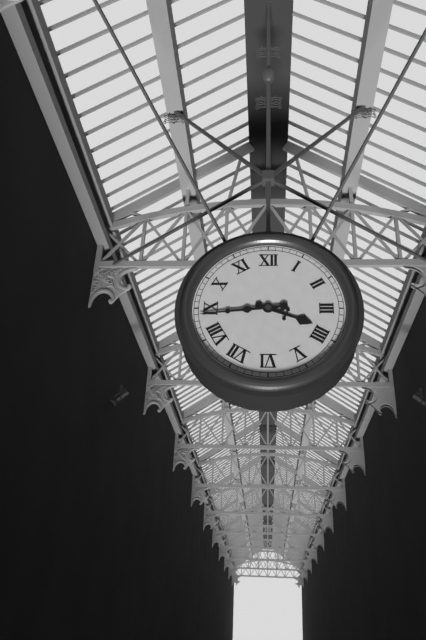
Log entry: 3:44
